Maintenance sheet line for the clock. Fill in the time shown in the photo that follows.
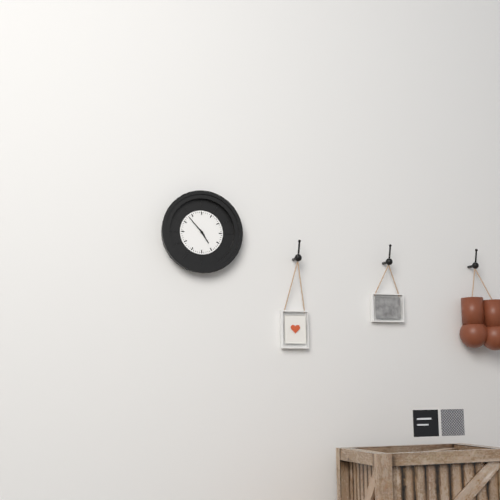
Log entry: 4:53
